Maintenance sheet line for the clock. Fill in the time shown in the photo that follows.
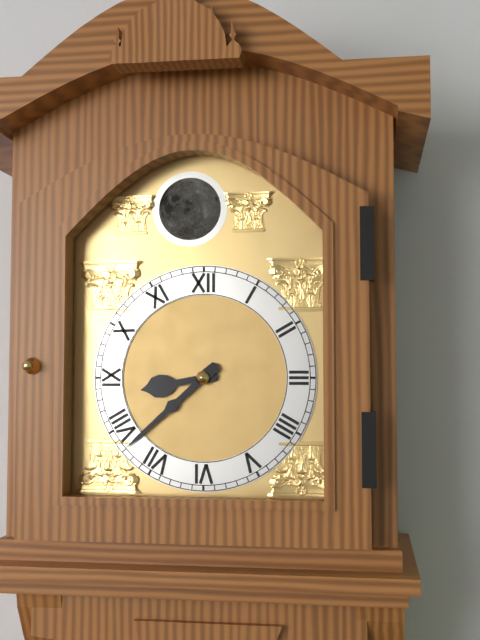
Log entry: 8:38
